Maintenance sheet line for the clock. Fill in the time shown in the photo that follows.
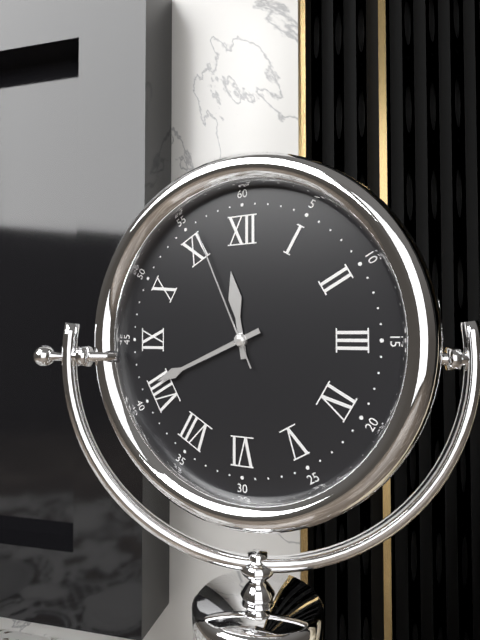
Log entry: 11:41:56
